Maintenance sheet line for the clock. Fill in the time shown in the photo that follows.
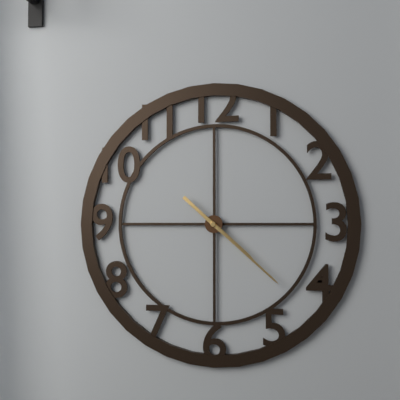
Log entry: 4:22
